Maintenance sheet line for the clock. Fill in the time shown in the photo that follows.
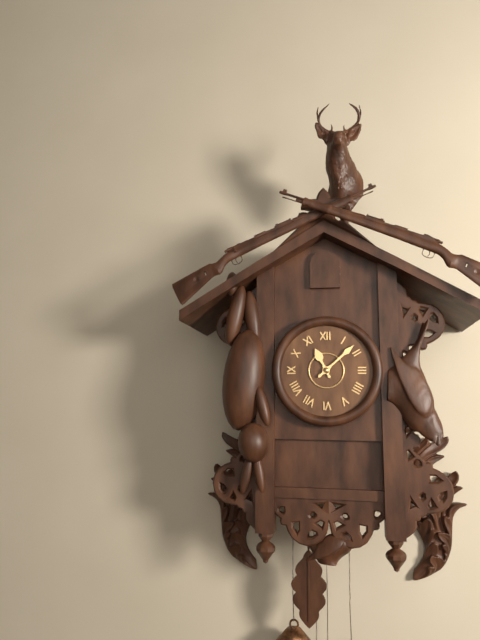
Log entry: 11:08
